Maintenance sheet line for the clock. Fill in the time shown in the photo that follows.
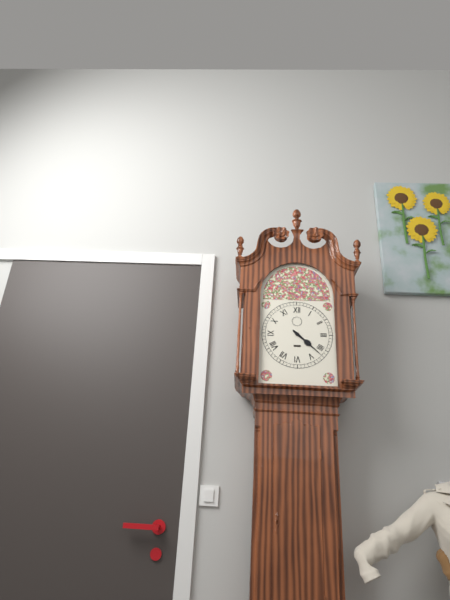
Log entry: 4:22
